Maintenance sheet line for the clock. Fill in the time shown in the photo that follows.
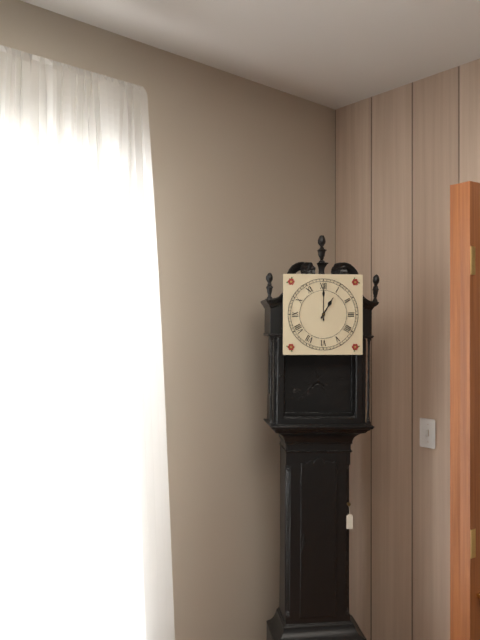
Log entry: 1:00
